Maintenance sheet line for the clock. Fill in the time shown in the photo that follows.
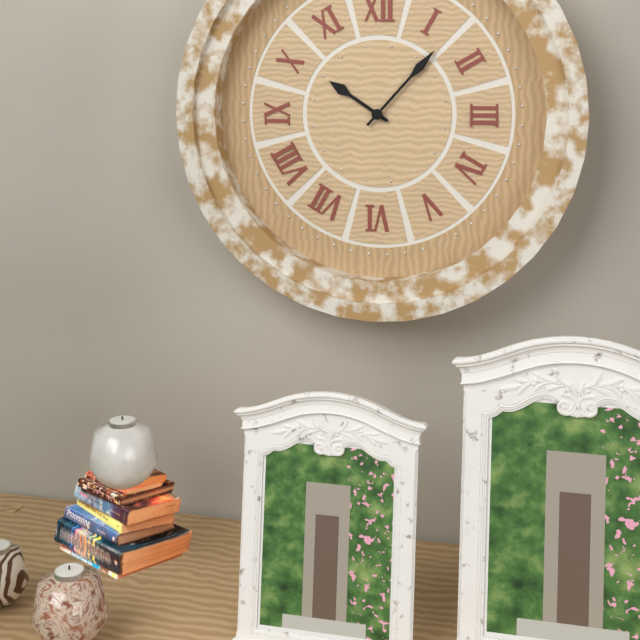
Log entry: 10:07
